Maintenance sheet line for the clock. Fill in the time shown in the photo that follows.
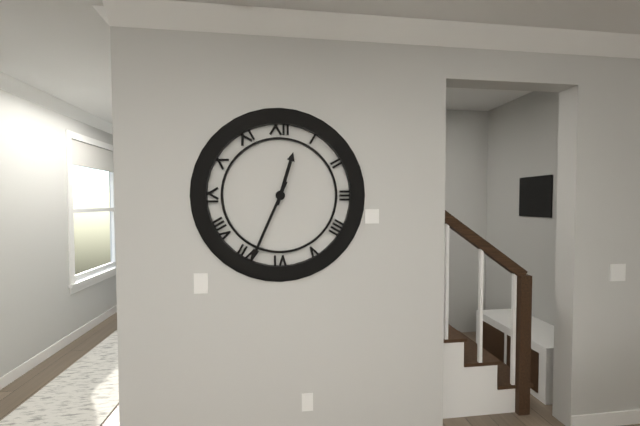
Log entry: 12:34
